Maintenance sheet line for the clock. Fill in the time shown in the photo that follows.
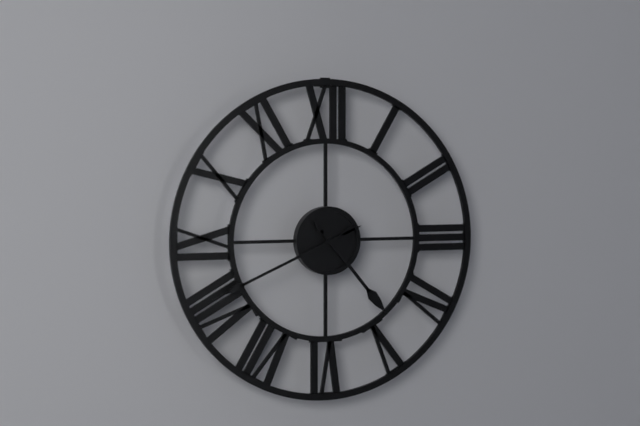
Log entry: 4:41
